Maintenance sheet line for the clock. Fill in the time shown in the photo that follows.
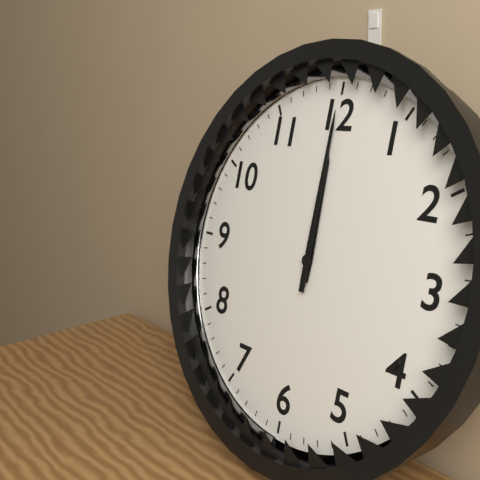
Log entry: 12:00
